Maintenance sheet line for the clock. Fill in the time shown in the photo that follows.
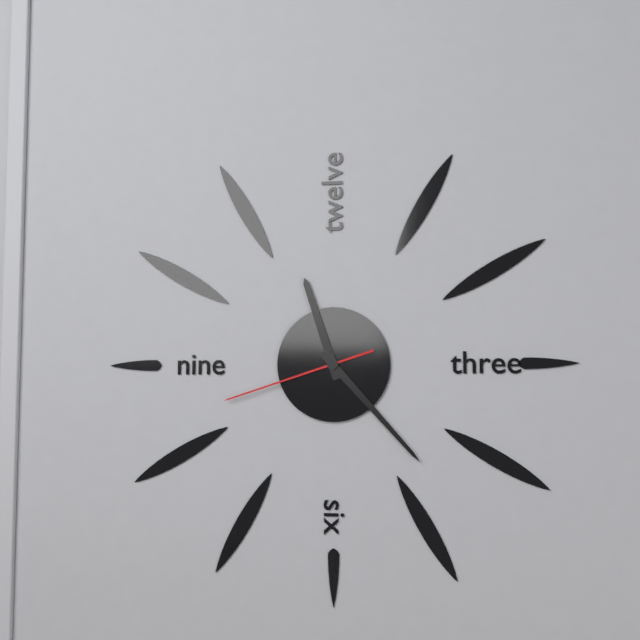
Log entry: 11:23:42
